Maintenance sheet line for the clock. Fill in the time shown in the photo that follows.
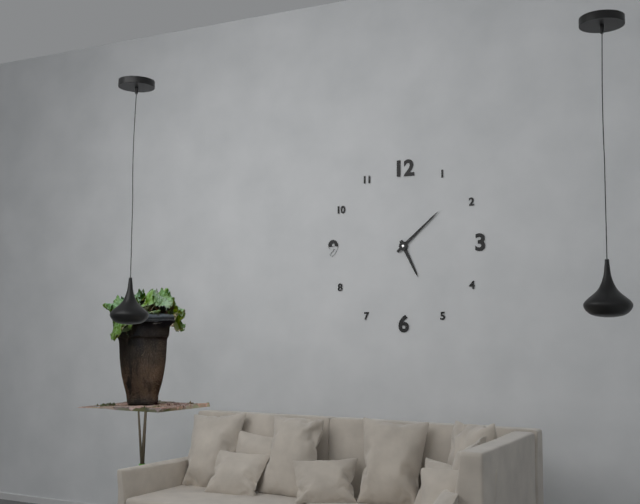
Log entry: 5:08
